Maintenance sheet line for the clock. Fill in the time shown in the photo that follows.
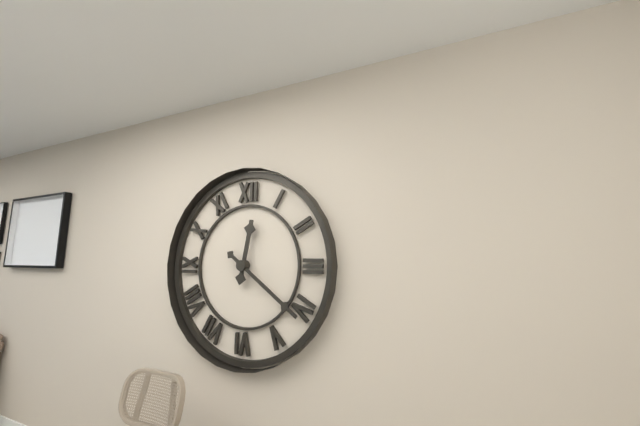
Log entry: 12:21
